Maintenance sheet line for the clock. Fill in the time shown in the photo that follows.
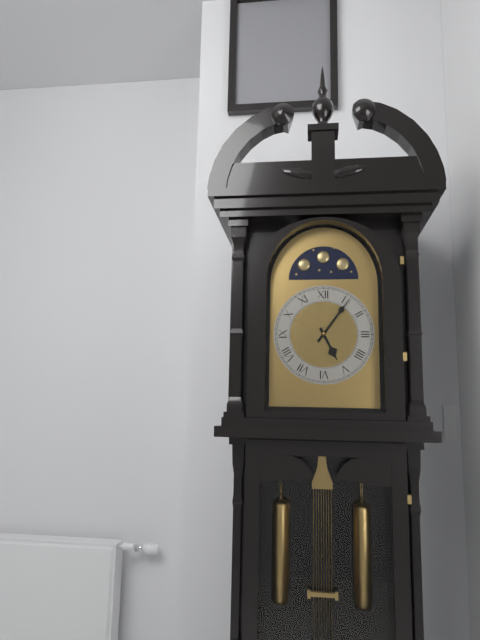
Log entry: 5:06
